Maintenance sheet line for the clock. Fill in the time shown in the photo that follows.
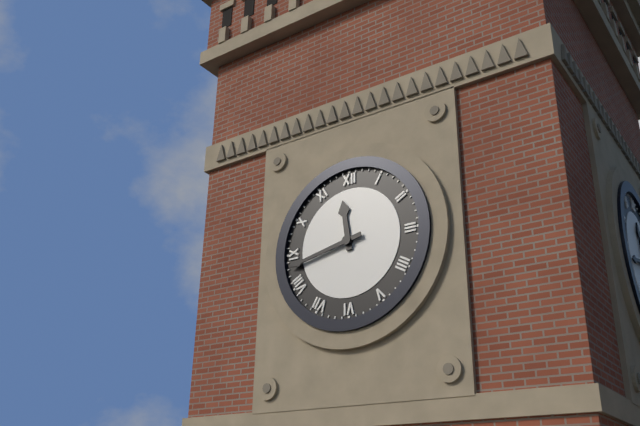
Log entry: 11:43
